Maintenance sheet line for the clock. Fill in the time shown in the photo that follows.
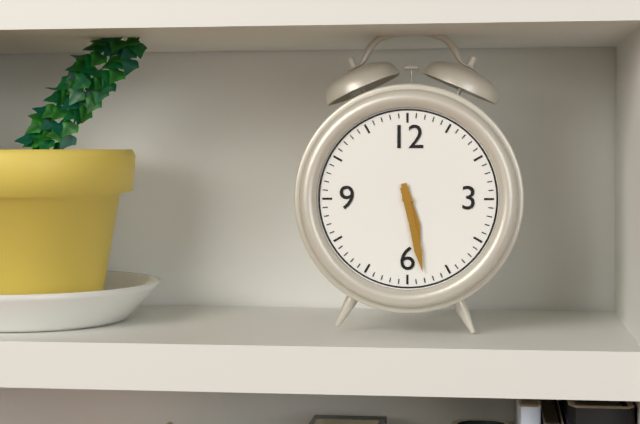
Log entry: 5:28
